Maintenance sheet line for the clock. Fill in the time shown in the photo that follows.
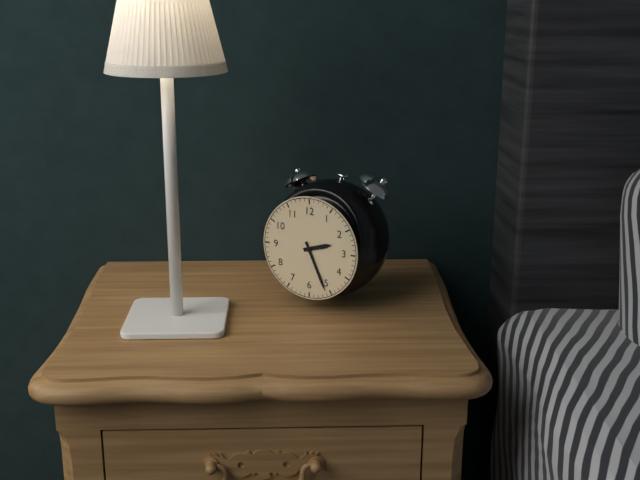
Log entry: 2:26
